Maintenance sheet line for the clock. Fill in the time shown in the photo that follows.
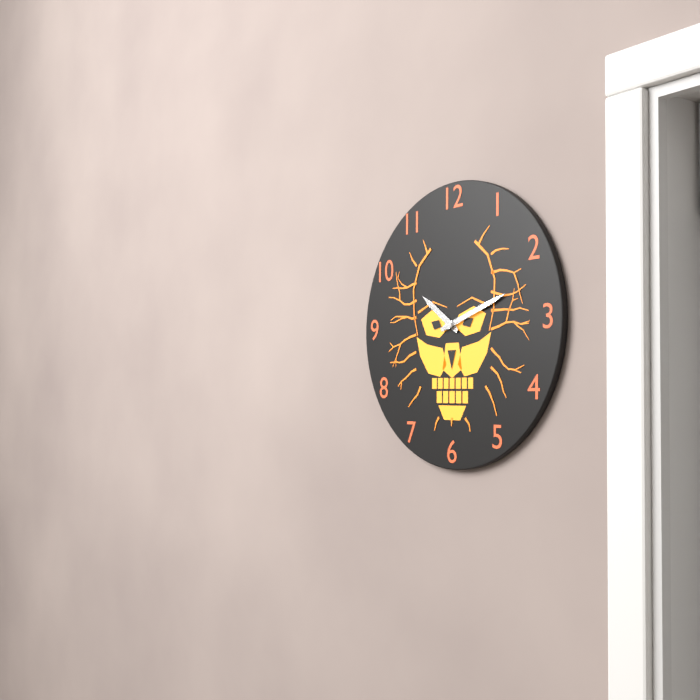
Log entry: 10:12
